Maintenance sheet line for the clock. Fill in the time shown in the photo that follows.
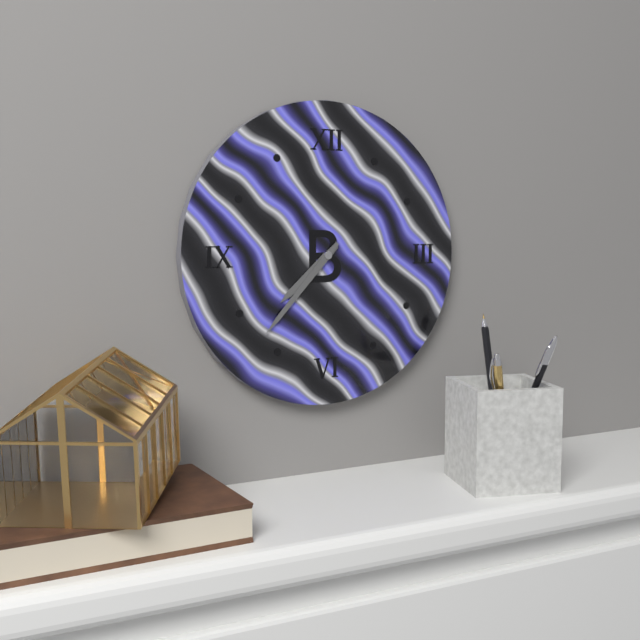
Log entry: 7:37
